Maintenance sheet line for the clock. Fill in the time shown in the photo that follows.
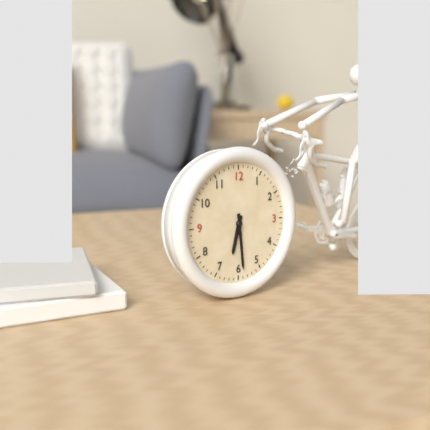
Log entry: 6:29
